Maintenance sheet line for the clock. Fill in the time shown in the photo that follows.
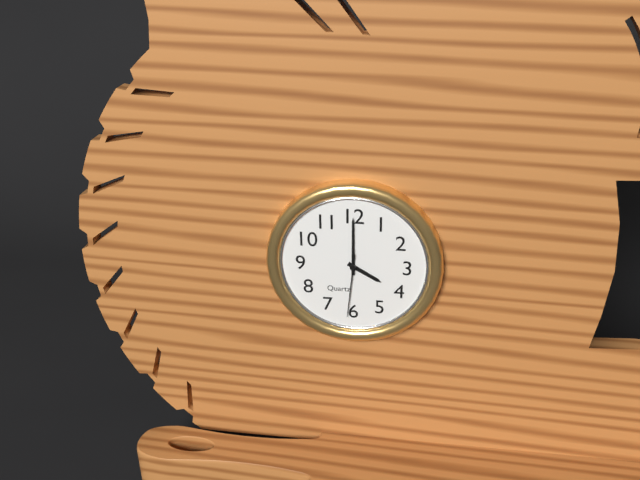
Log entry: 4:00:31
